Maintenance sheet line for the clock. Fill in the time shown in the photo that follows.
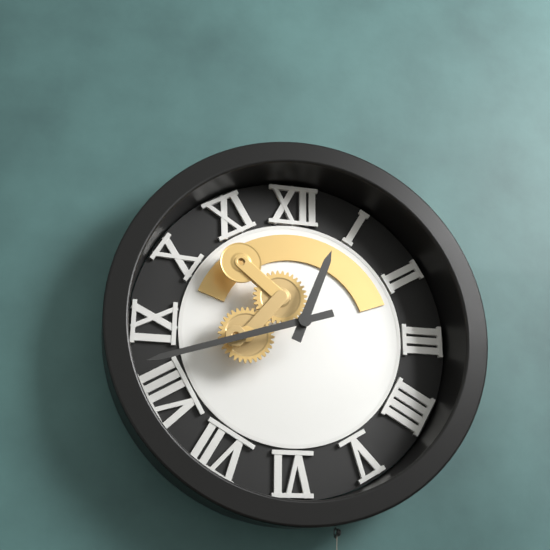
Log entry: 12:42
